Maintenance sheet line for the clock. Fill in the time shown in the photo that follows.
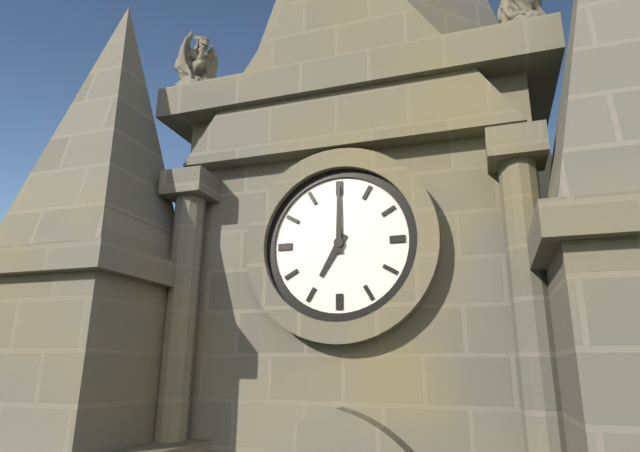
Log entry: 7:00
